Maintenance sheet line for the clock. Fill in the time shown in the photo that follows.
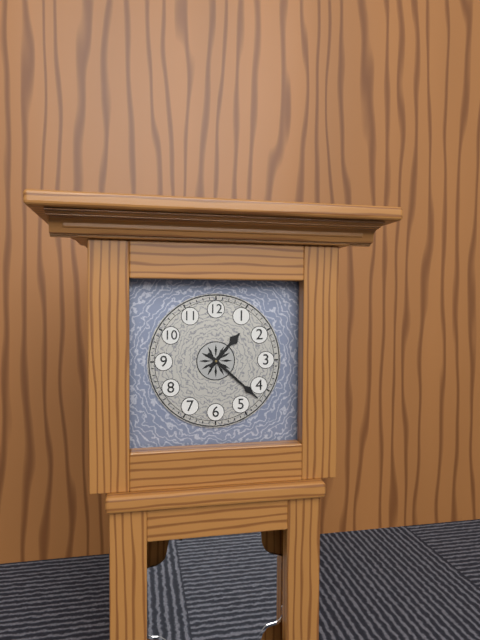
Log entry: 1:22
